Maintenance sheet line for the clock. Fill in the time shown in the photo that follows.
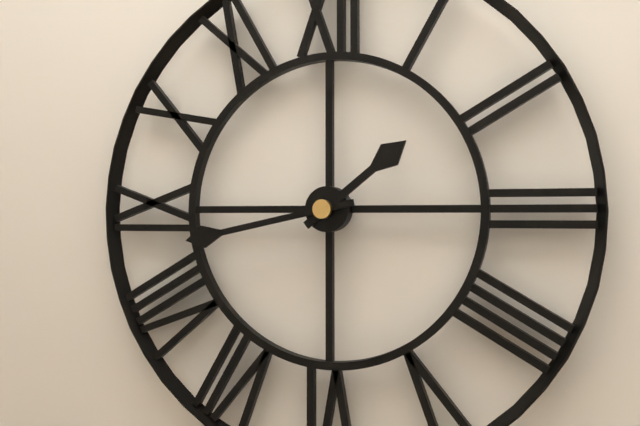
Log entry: 1:43
